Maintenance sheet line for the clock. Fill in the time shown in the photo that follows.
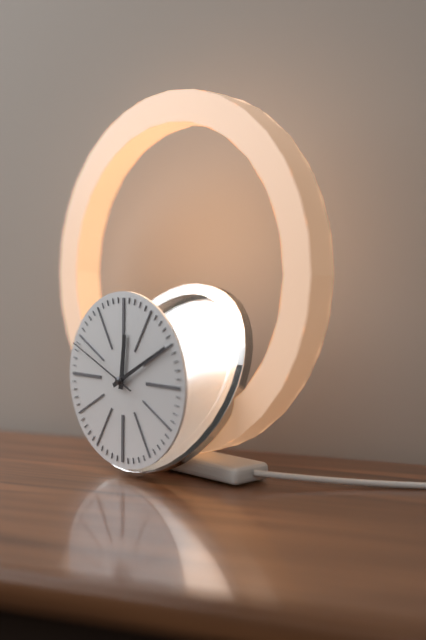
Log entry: 12:10:49
